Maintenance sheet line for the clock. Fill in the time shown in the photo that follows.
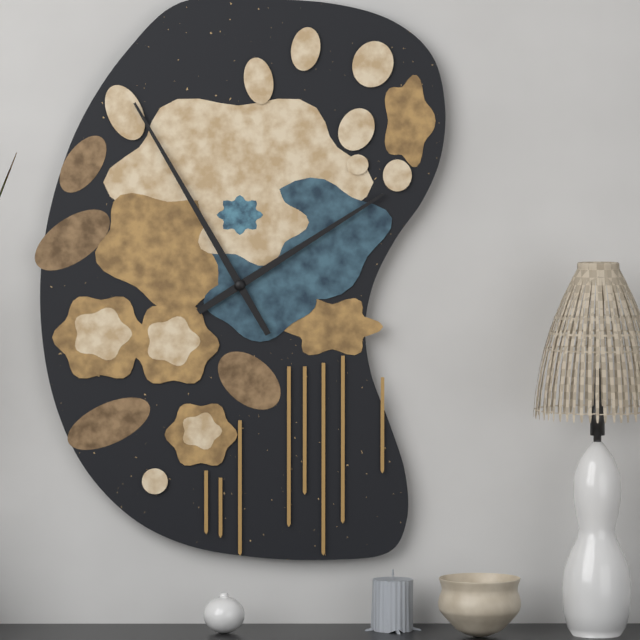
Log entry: 1:55
